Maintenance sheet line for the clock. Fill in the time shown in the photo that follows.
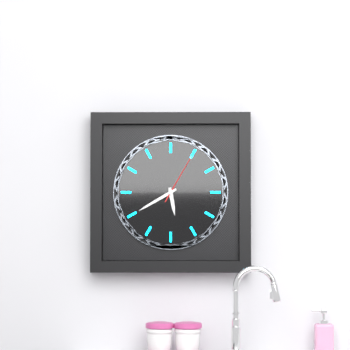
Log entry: 5:40:05
